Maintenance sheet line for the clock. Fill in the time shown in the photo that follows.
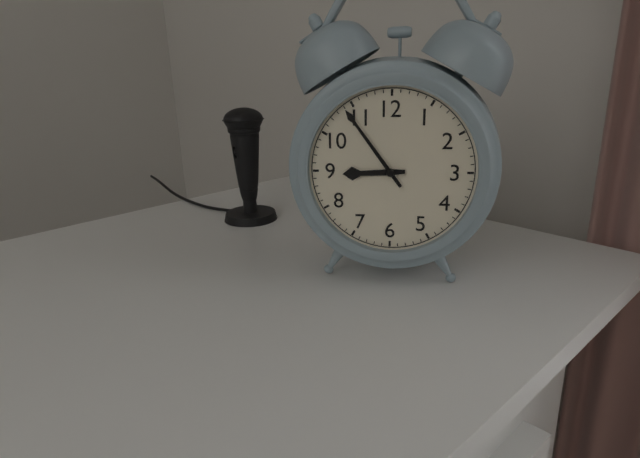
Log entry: 8:54
